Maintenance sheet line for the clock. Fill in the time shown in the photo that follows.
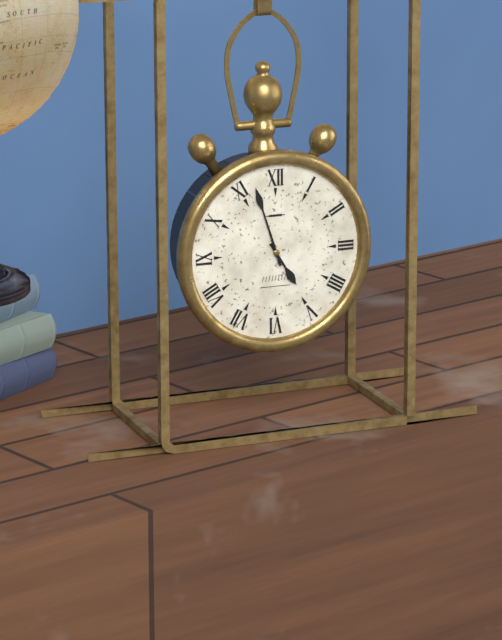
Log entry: 4:57
